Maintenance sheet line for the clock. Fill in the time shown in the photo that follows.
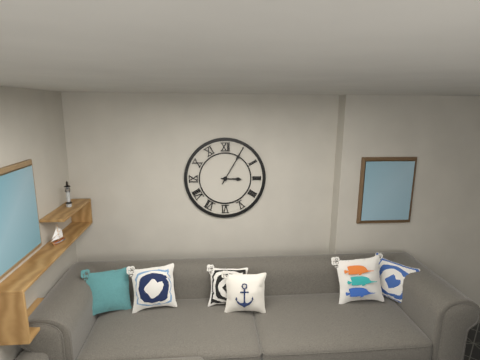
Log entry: 3:05
